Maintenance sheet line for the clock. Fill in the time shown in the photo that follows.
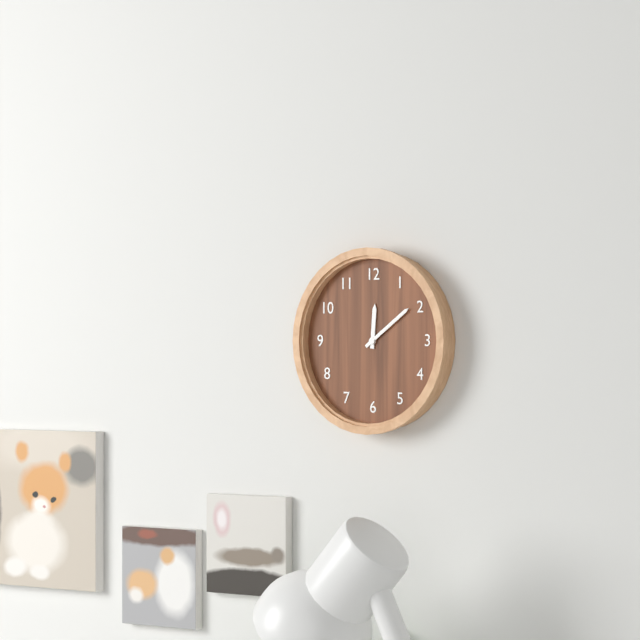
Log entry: 12:09
